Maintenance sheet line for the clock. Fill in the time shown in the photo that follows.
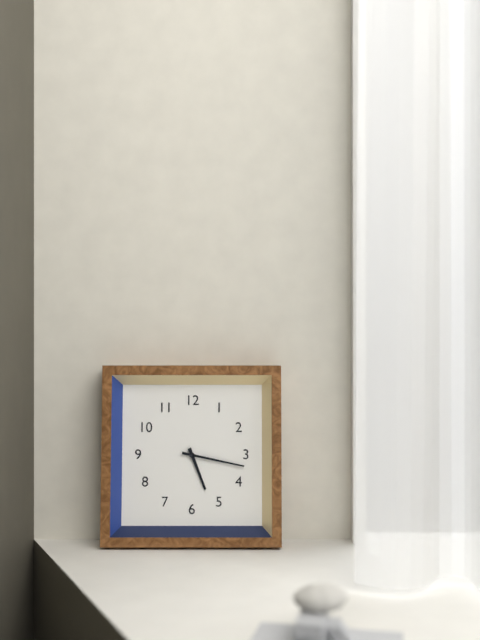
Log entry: 5:17
